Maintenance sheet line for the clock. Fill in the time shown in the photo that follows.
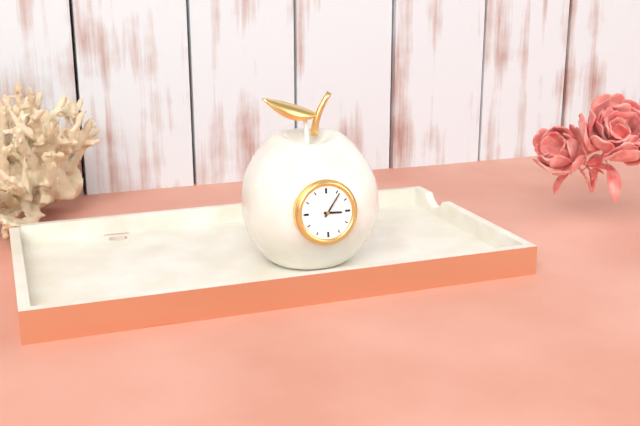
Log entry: 3:06
